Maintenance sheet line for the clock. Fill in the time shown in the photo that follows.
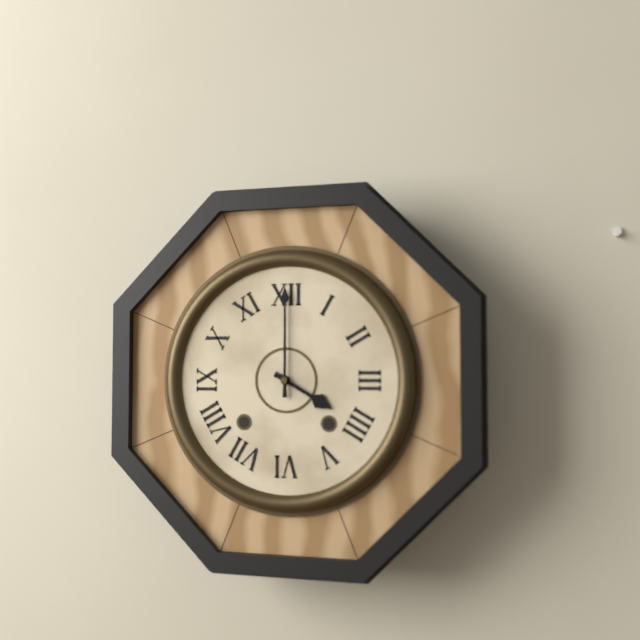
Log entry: 4:00
